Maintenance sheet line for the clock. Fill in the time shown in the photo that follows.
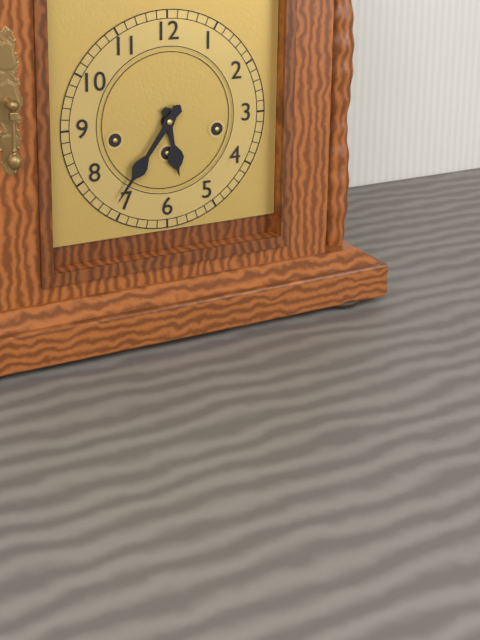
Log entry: 5:36
